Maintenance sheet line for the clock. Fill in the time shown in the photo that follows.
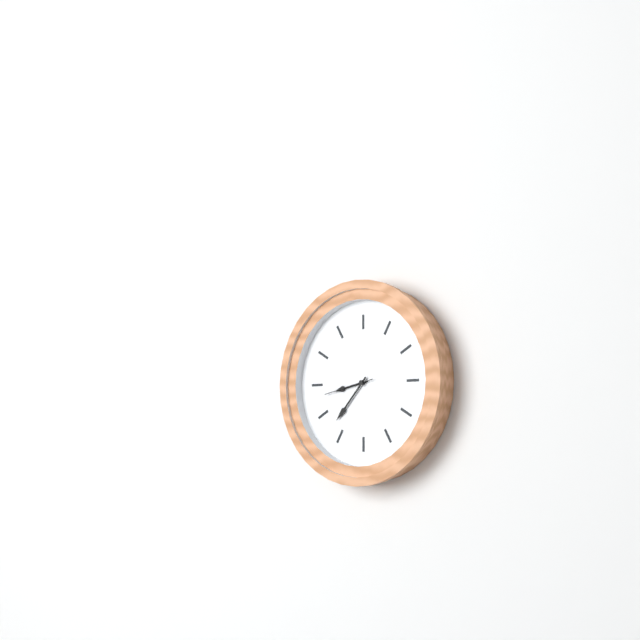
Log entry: 8:37
